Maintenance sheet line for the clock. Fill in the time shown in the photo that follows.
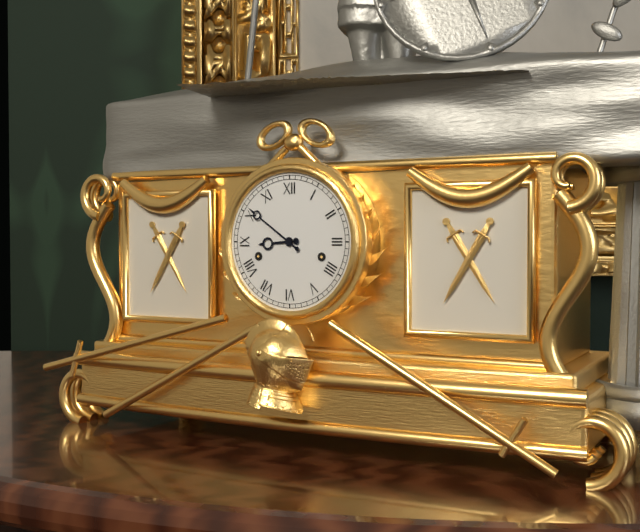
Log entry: 8:51
